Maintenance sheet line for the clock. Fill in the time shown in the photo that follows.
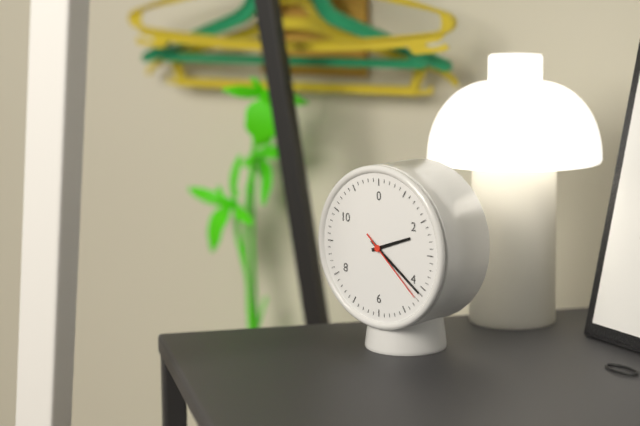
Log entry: 2:21:22
